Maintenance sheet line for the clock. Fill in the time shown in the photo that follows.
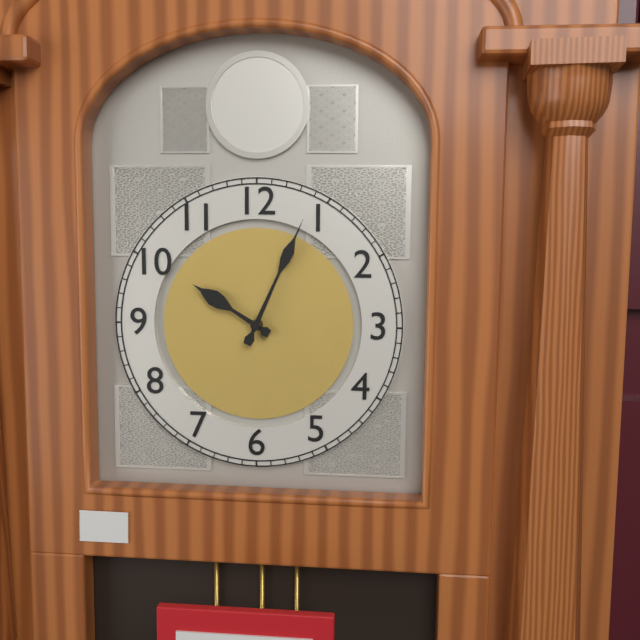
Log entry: 10:04
